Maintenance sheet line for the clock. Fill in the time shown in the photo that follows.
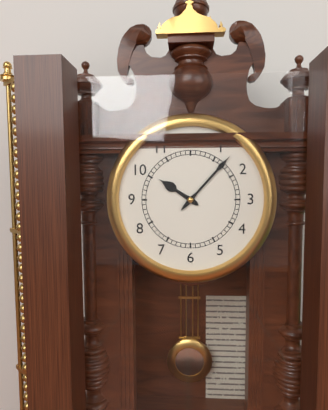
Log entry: 10:07
